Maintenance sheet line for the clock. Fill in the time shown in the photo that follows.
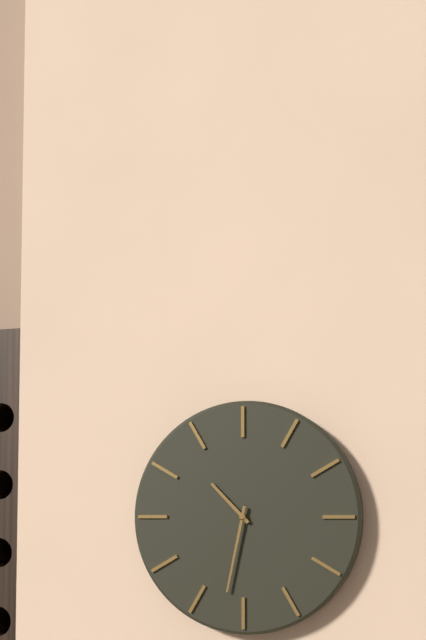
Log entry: 10:32
